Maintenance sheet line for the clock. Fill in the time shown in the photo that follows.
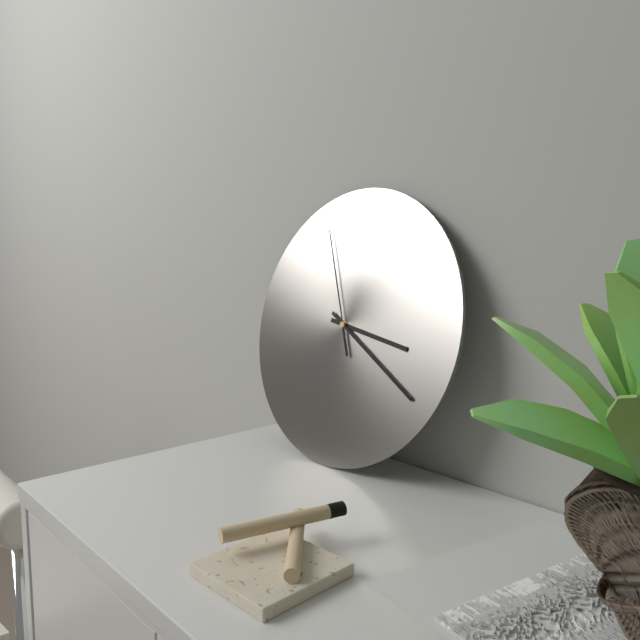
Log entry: 3:20:56
